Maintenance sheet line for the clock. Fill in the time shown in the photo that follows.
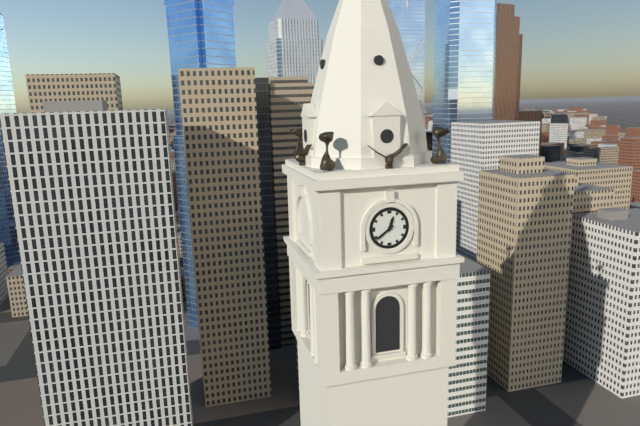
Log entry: 12:39
